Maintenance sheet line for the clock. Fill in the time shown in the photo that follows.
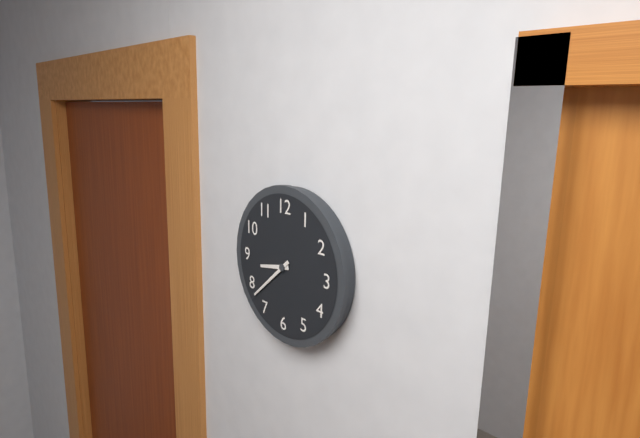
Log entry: 8:38
